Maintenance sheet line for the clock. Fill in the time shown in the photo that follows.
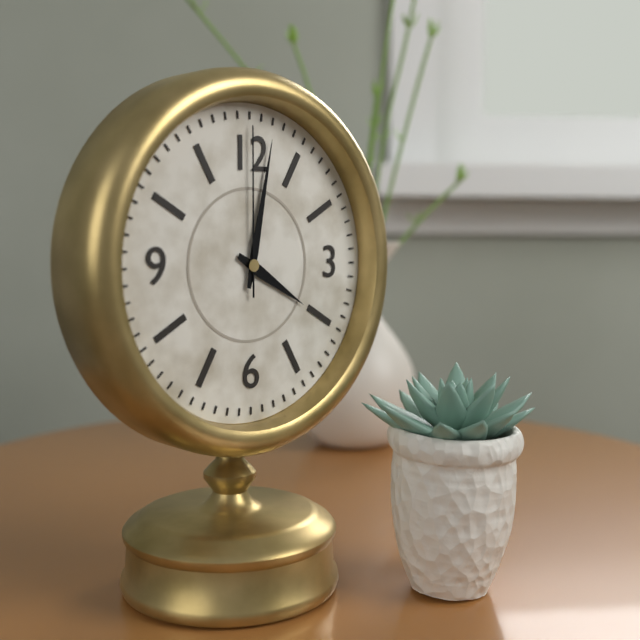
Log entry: 4:02:00
